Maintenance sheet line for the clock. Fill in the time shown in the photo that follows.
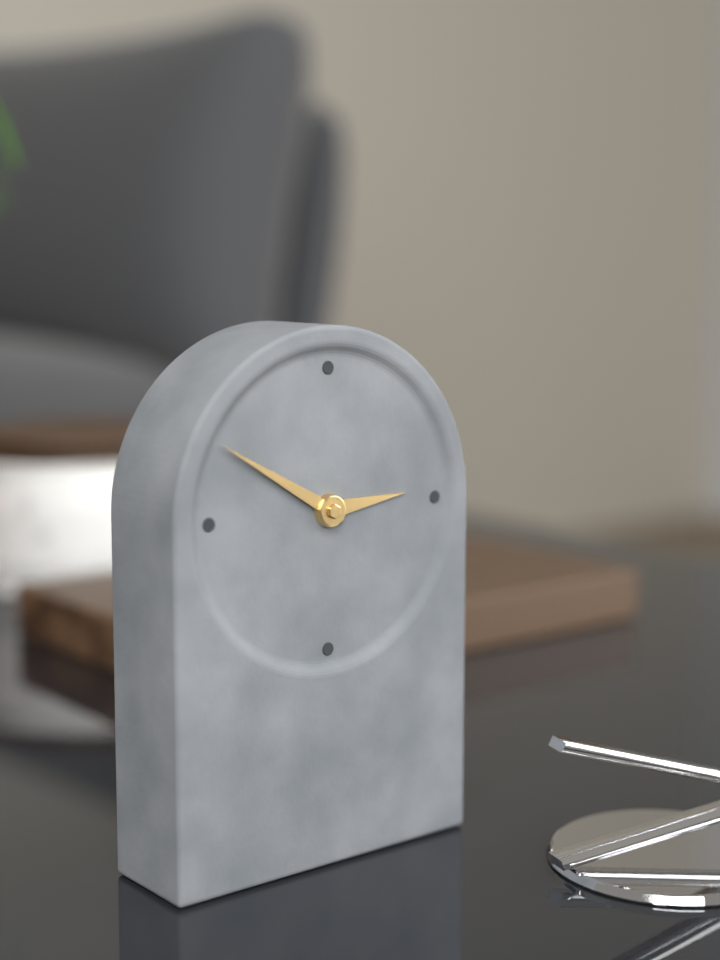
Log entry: 2:50
